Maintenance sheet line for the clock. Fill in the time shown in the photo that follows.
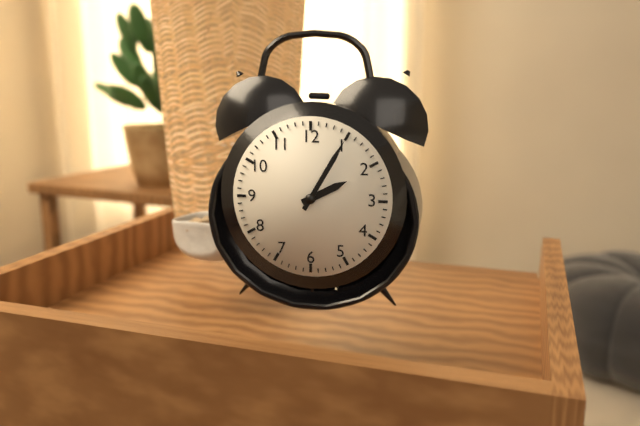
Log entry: 2:05
